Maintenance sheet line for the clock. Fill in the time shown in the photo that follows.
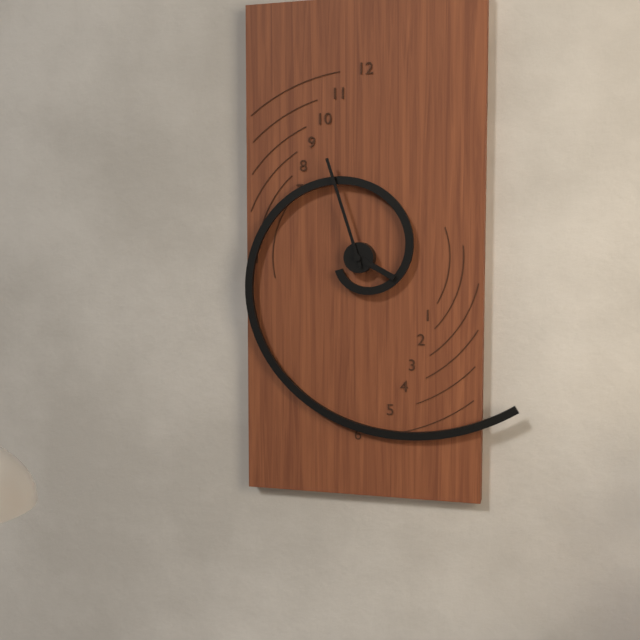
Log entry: 3:57
